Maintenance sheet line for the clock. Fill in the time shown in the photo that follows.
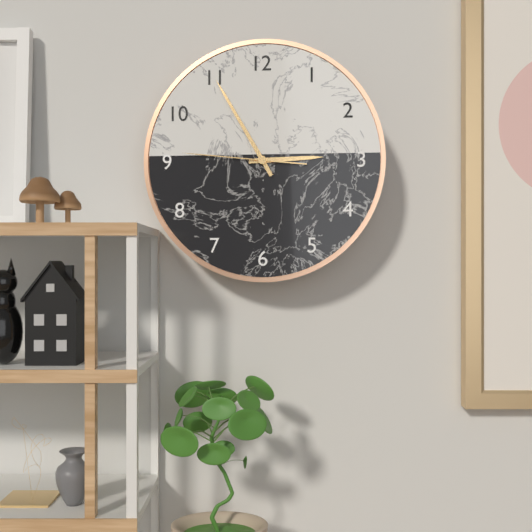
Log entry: 2:55:46
